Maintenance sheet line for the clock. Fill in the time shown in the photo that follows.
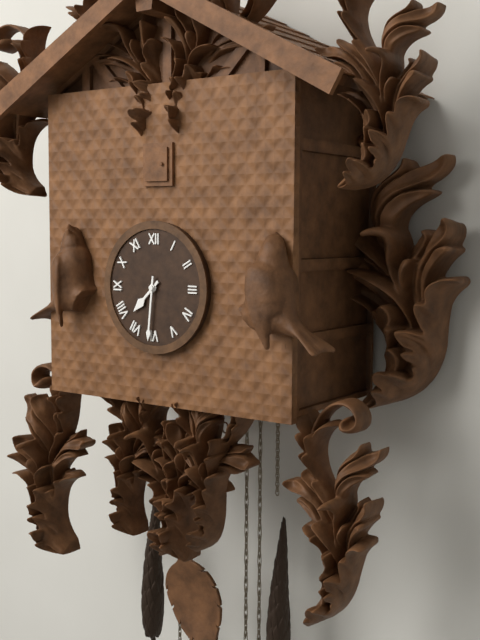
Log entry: 7:31
